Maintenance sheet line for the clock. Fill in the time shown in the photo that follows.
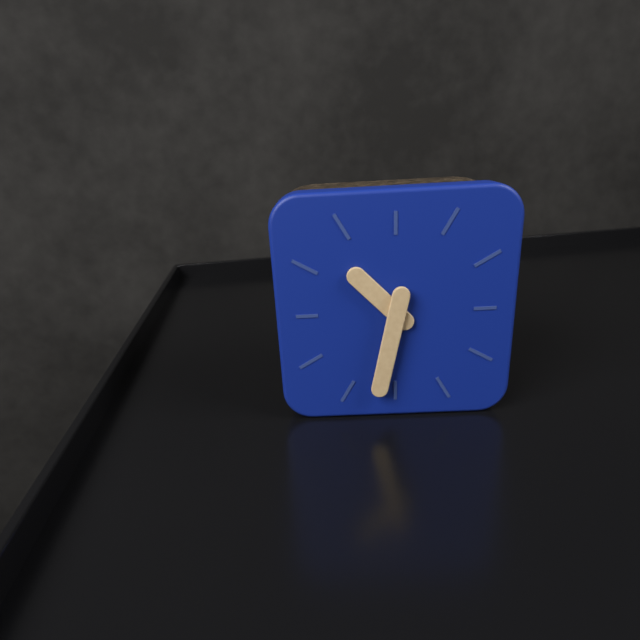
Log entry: 10:32
